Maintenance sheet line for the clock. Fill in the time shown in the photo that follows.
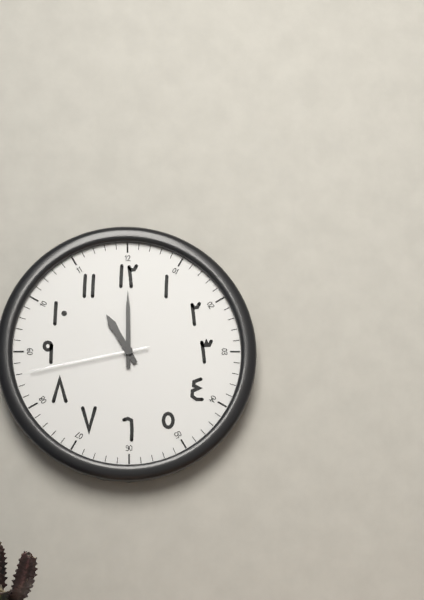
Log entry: 11:00:43
